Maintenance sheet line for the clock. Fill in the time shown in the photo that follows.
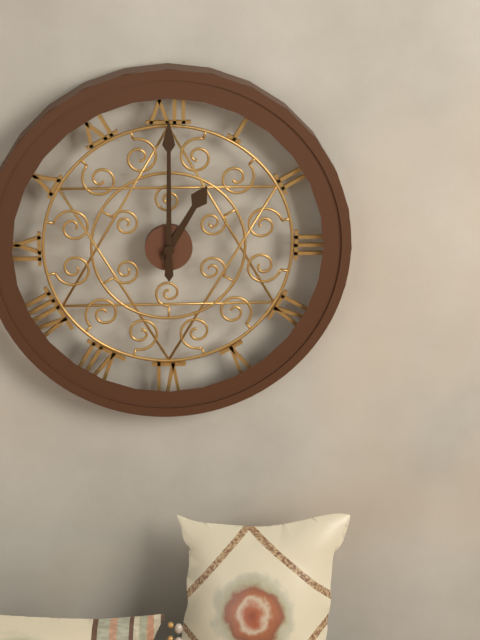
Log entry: 1:00
